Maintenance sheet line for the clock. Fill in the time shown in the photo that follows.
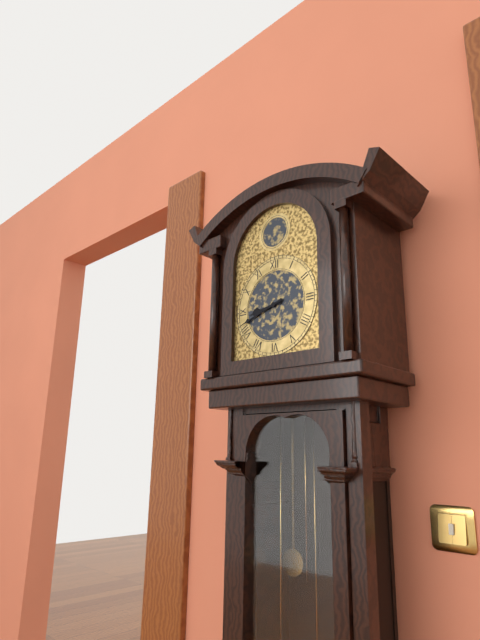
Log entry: 8:42
